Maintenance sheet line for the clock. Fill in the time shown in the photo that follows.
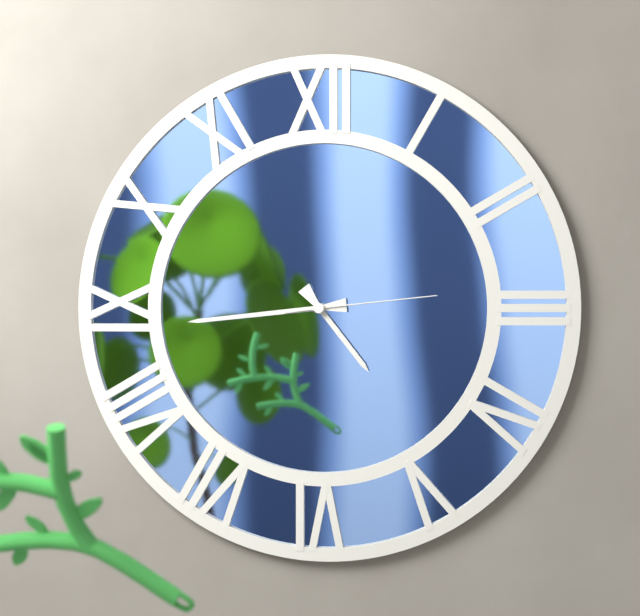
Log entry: 4:44:14
